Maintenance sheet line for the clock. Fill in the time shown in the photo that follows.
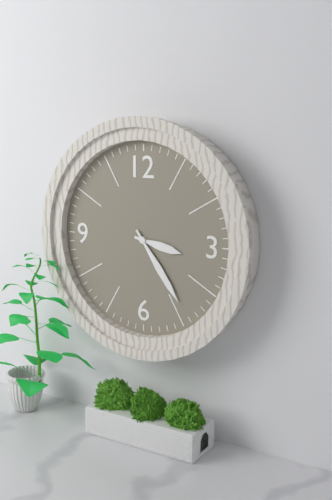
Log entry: 3:24
